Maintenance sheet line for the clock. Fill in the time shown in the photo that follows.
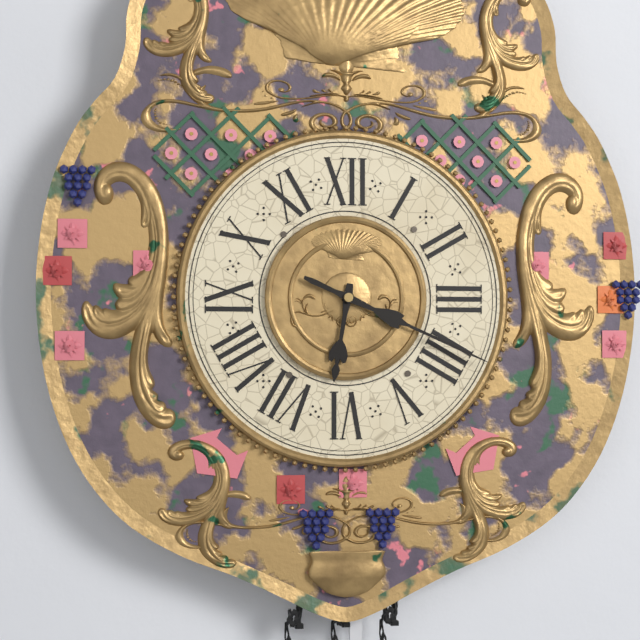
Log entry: 6:19
